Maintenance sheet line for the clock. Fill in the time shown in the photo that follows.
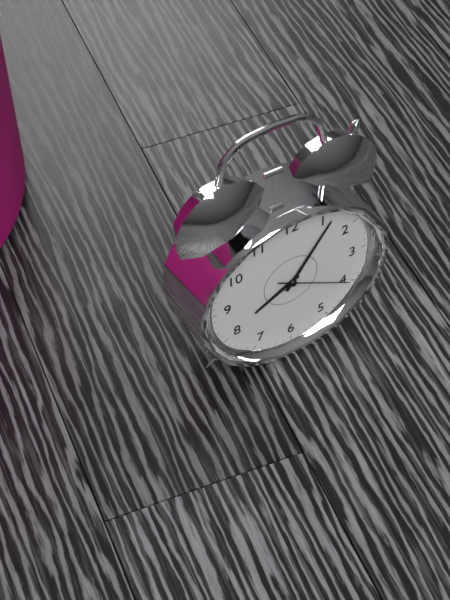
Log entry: 8:06:20
